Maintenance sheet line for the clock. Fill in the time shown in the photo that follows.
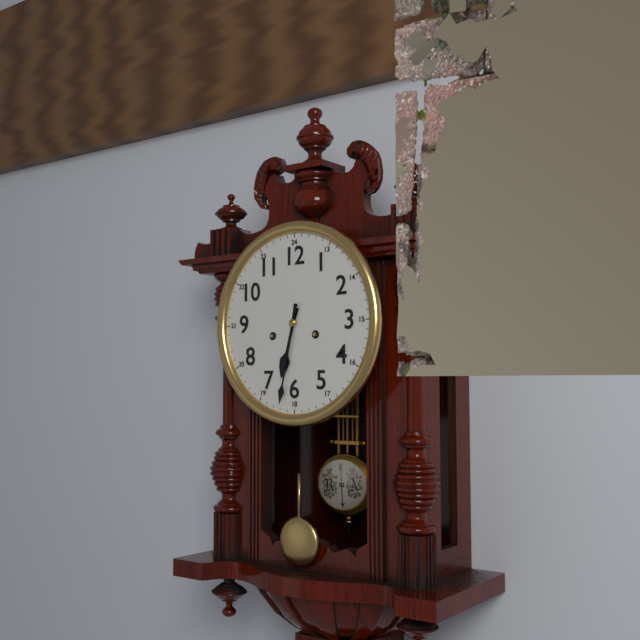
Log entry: 6:32
